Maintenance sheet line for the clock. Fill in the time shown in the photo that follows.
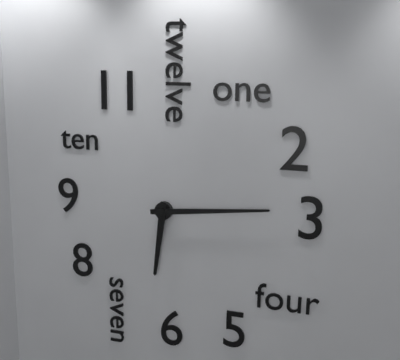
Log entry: 6:14
